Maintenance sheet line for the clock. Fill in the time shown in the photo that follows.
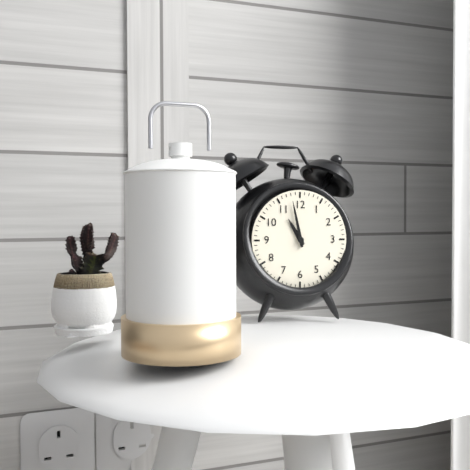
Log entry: 10:58
